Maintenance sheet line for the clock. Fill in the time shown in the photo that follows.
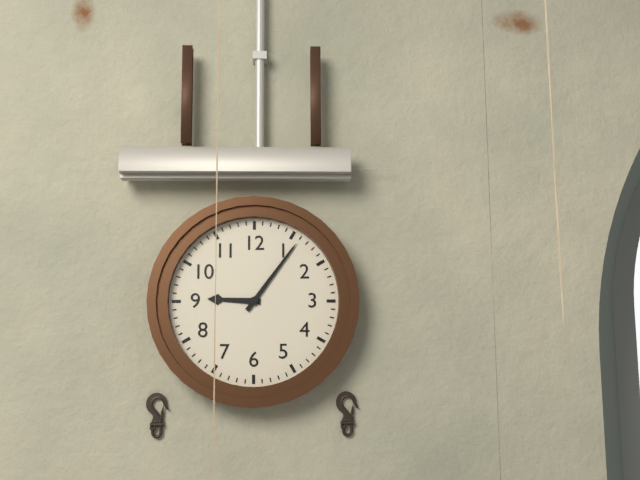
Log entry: 9:06
